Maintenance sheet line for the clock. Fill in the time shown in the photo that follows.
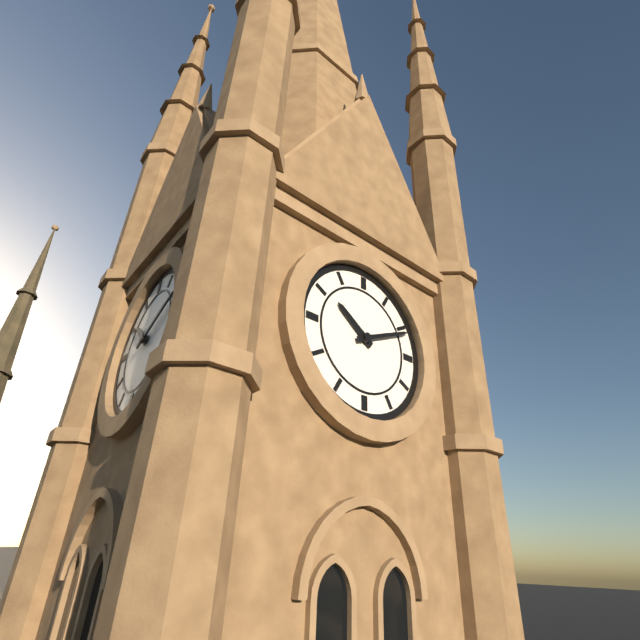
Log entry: 10:11
